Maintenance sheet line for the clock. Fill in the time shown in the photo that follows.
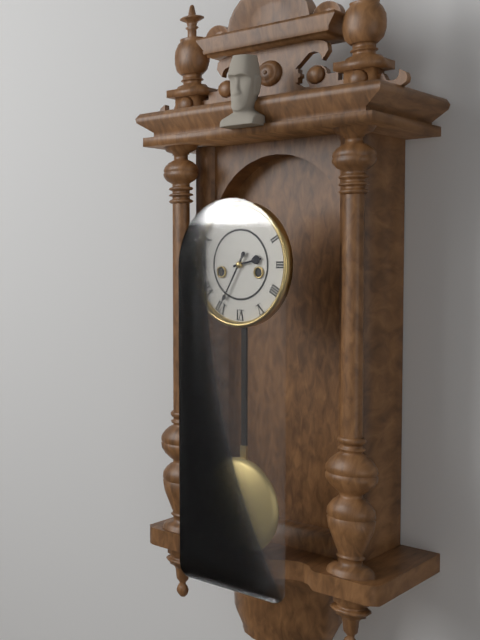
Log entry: 2:35
